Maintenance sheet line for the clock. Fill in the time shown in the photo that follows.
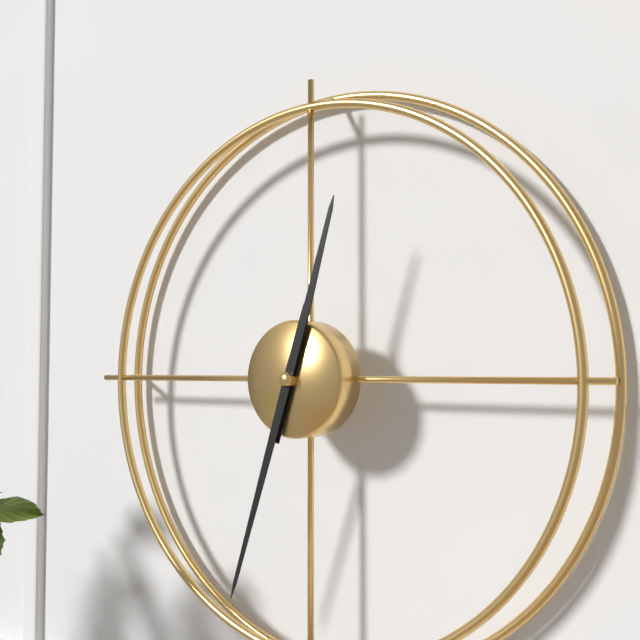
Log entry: 12:33
